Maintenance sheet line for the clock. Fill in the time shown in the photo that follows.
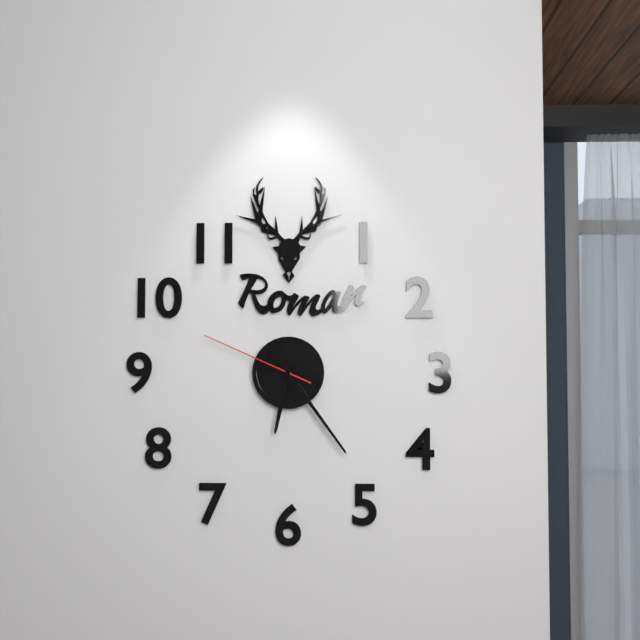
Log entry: 6:24:49
